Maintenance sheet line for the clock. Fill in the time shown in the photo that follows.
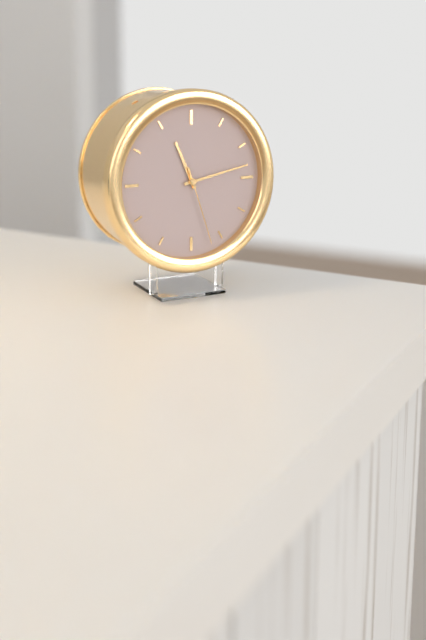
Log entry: 11:13:27
